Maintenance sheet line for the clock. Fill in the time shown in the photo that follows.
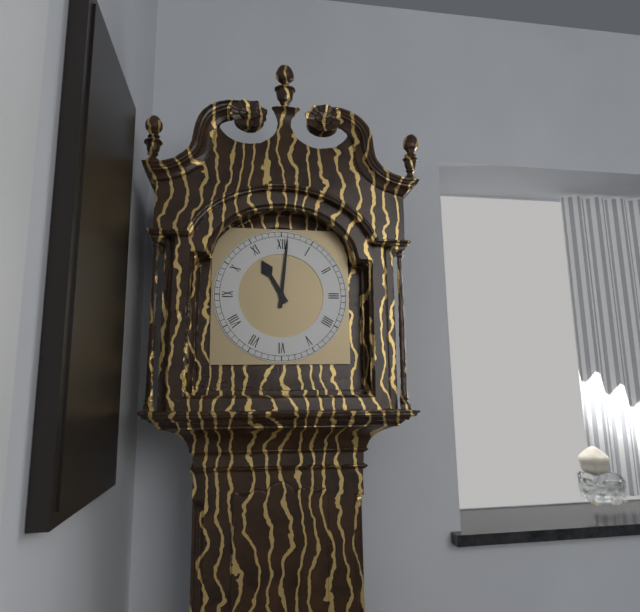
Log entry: 11:01
